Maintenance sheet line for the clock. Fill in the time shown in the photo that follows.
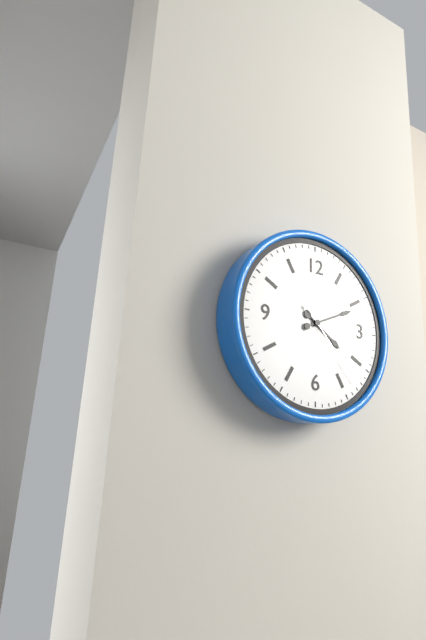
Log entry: 4:11:23
